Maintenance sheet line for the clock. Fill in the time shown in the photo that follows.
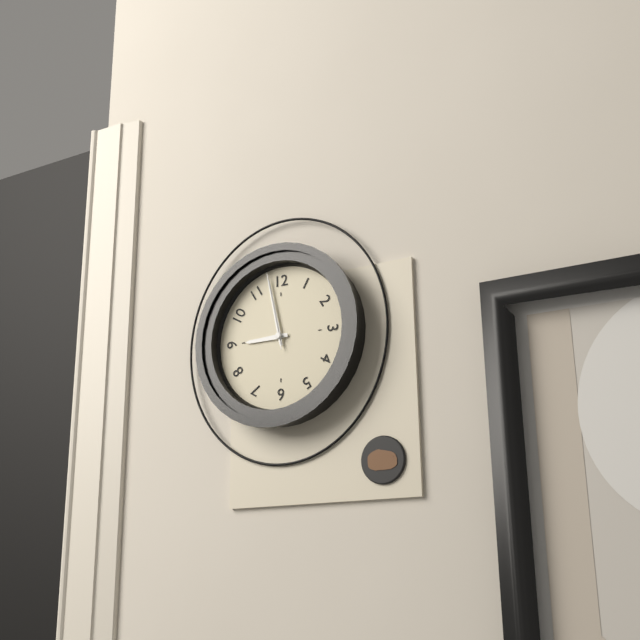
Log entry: 8:58:58
